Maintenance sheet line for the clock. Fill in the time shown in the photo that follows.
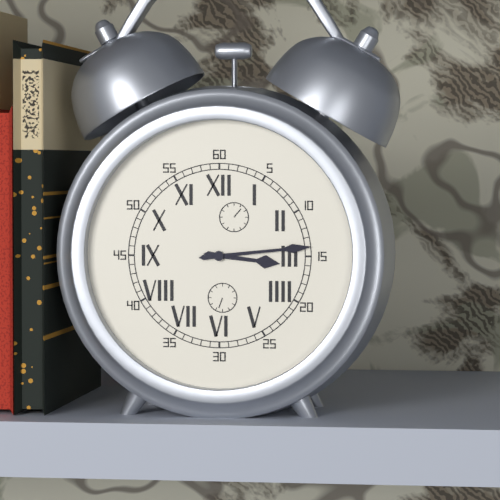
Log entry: 3:14
